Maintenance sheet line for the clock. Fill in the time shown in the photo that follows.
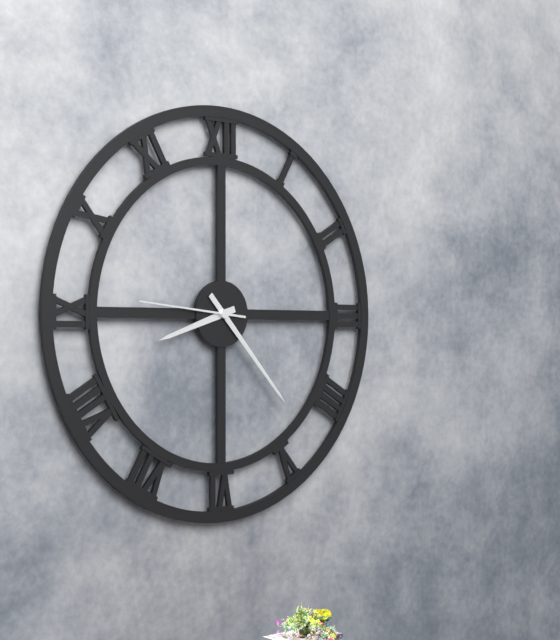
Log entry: 8:23:46
